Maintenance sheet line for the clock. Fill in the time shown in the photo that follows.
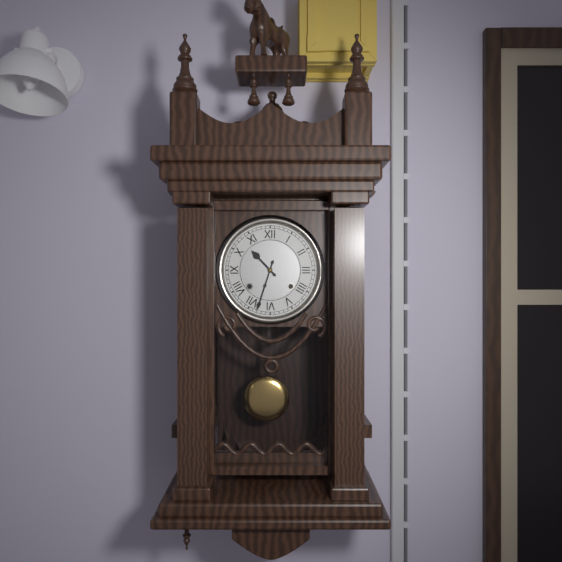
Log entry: 10:33
